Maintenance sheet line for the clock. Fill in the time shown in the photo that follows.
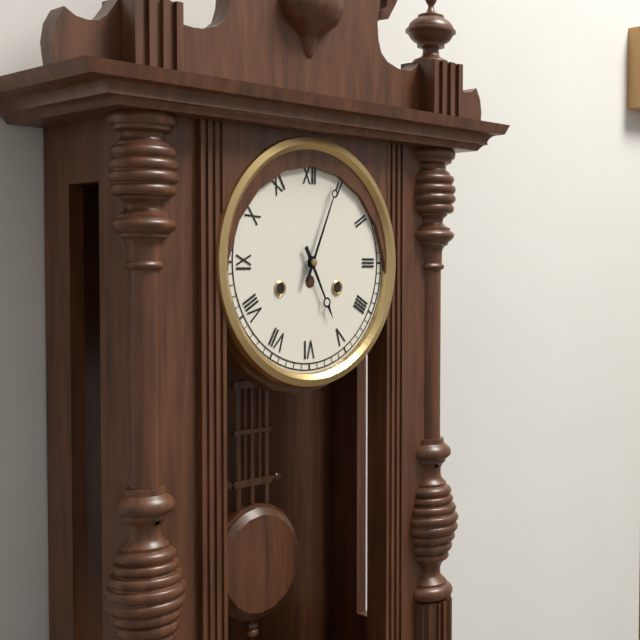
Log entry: 5:04
